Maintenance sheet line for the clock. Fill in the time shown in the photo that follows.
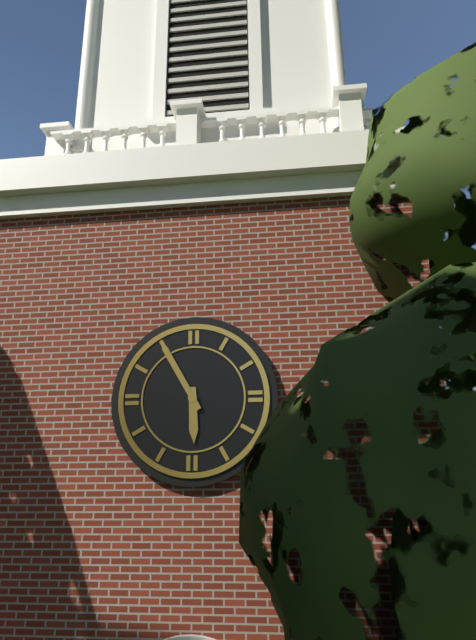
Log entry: 5:55
